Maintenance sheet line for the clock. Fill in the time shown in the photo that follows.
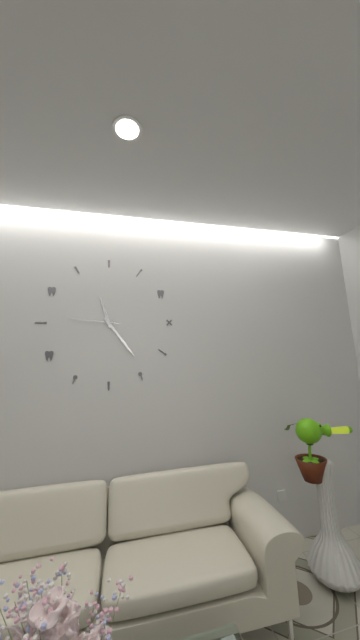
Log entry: 11:24
